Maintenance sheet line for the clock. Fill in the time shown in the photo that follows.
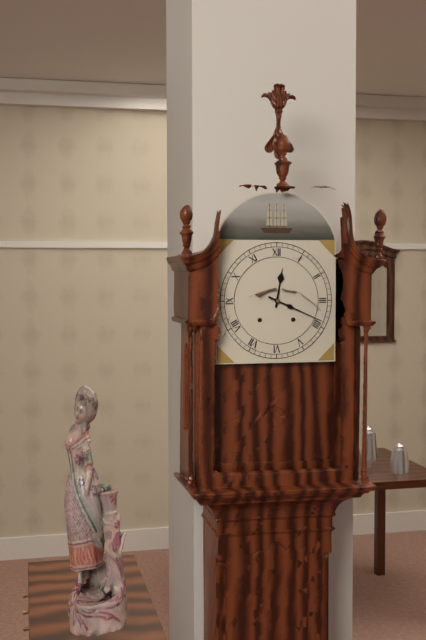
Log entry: 12:19
